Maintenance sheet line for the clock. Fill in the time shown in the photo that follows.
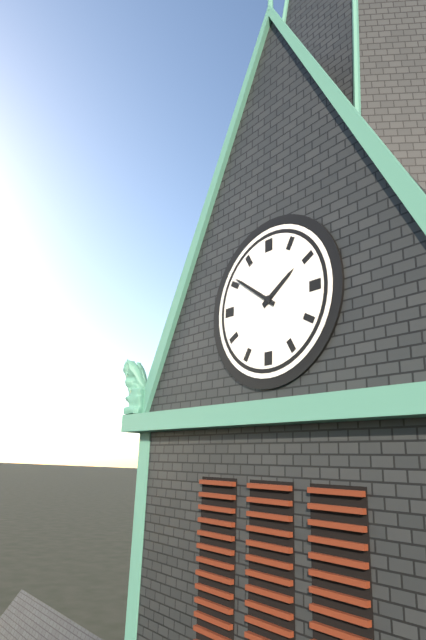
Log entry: 1:51
